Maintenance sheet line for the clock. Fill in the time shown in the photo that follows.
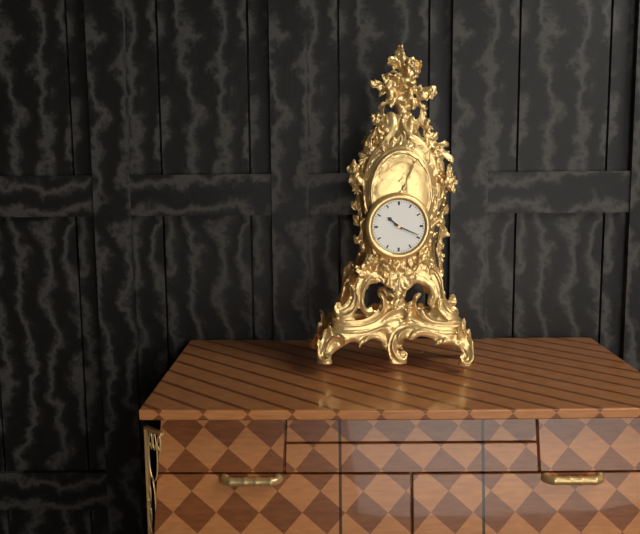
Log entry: 10:19
